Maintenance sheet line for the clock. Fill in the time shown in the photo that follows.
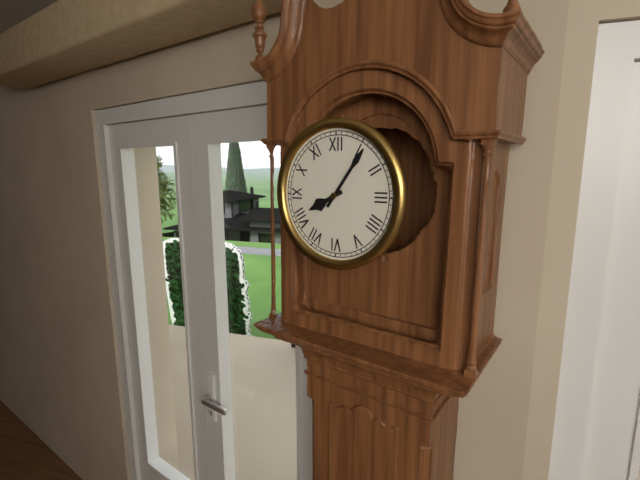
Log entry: 8:06
